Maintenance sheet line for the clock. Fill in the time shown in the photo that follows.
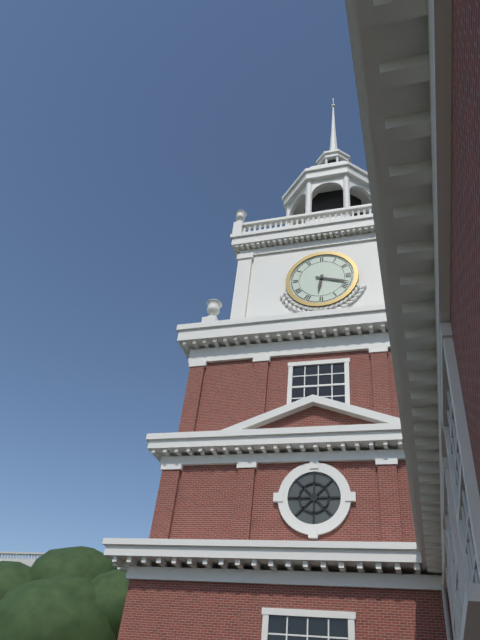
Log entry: 6:18
